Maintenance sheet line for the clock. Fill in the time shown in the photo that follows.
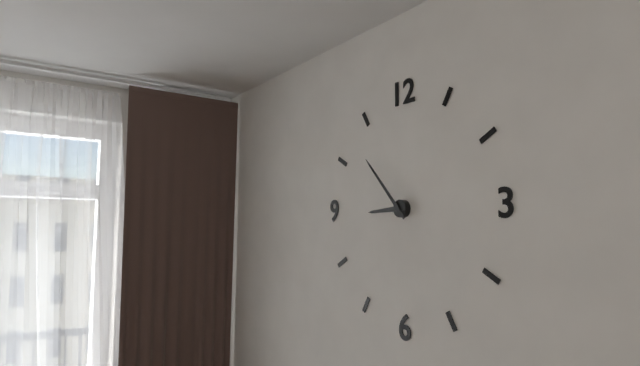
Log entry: 8:53
